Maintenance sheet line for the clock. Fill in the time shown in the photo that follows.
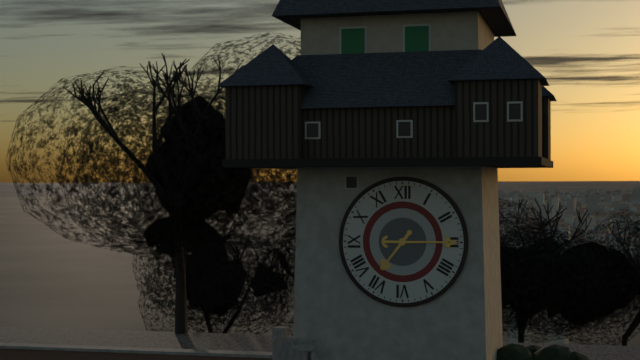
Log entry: 7:15
